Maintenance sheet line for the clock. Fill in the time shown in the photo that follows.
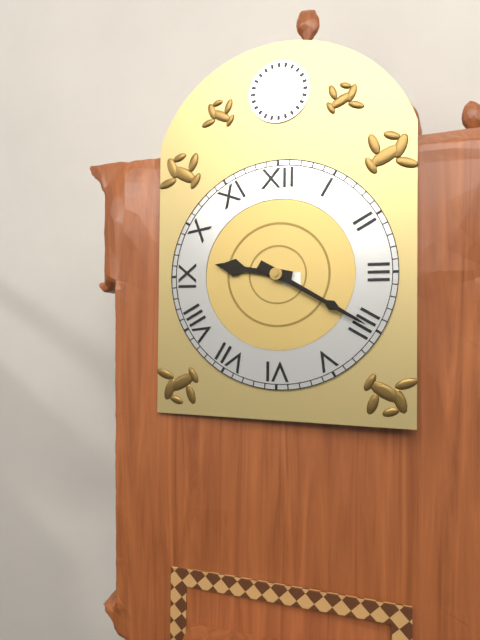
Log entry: 9:20
